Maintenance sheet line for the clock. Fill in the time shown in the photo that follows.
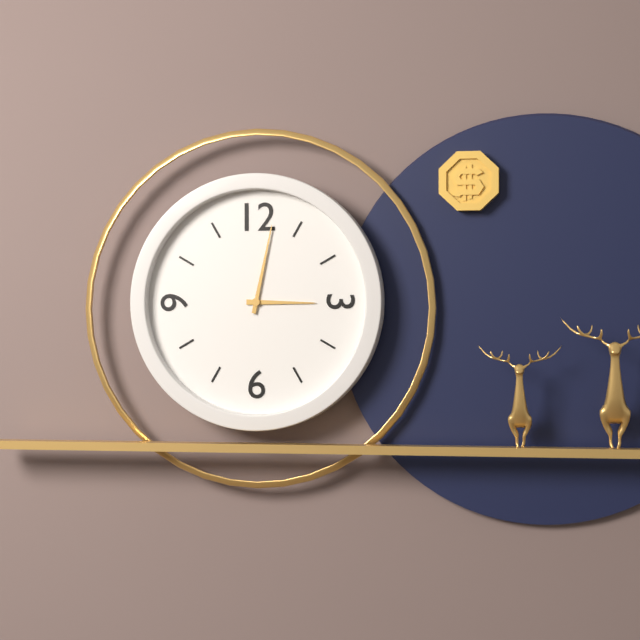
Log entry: 3:02
